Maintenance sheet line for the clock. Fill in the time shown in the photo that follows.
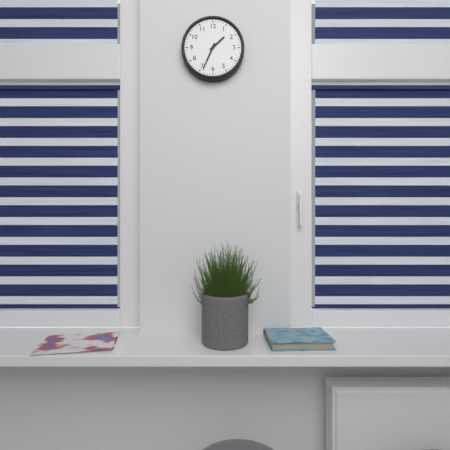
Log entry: 1:34
